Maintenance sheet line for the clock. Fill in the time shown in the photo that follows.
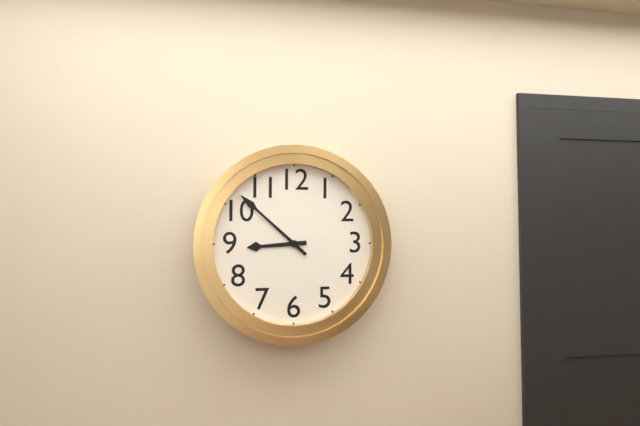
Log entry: 8:52
